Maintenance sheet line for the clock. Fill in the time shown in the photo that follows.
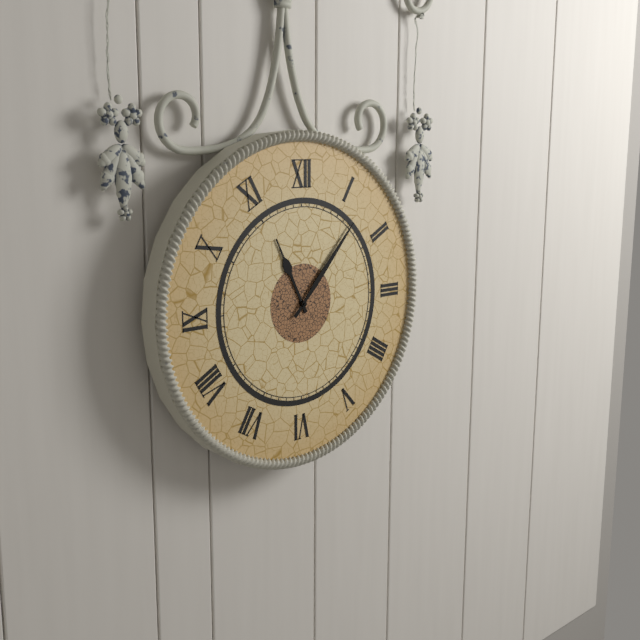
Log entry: 11:07
